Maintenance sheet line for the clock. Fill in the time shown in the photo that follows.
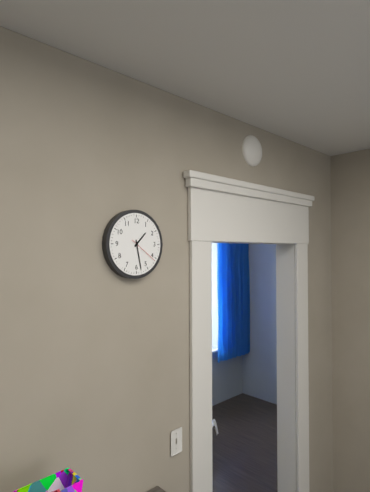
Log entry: 1:28
